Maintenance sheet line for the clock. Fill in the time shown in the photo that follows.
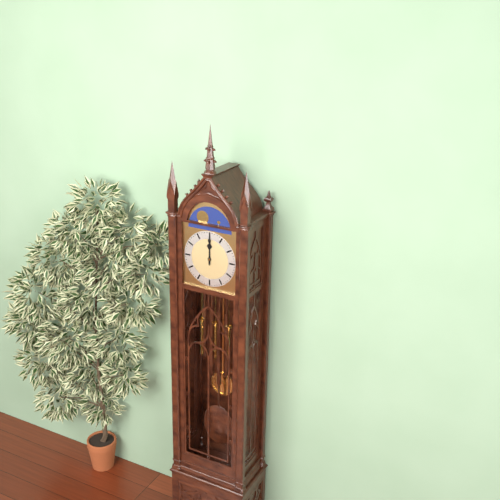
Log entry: 12:00
